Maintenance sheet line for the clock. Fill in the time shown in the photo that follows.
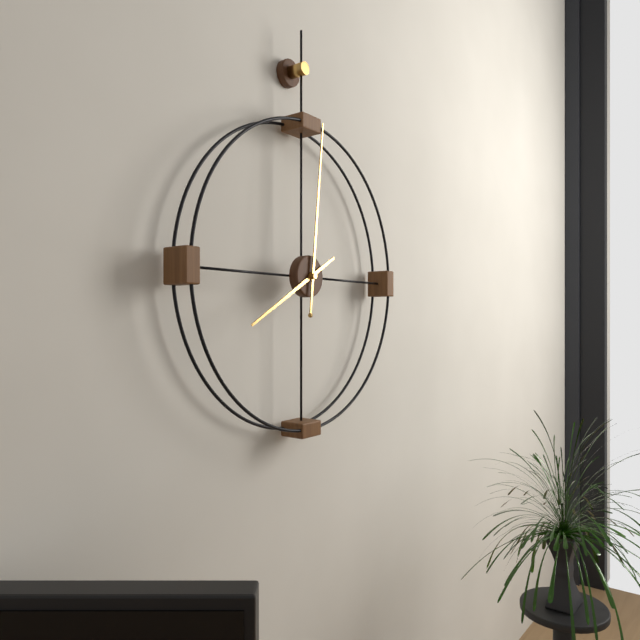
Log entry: 8:01
